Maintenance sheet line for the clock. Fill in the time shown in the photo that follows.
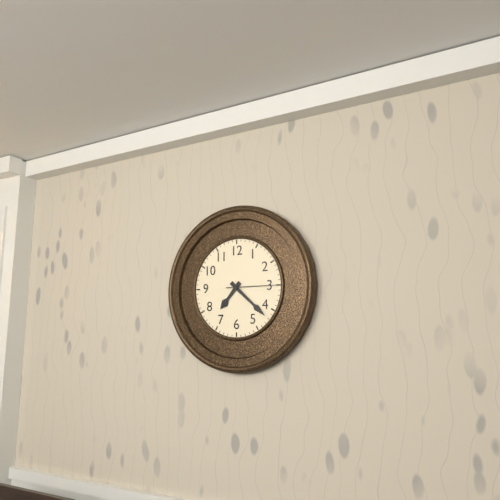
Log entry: 7:22:15
